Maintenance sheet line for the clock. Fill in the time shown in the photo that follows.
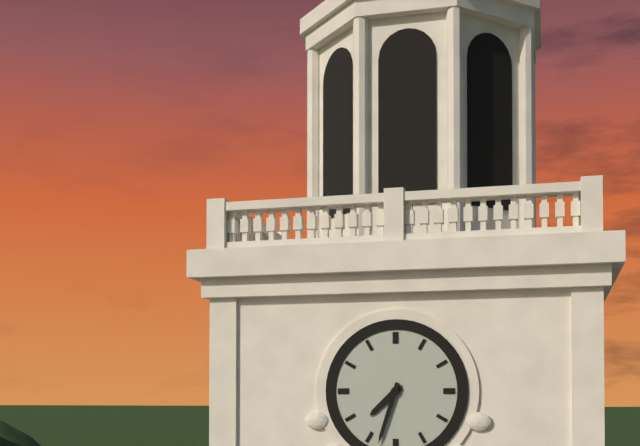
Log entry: 7:33
